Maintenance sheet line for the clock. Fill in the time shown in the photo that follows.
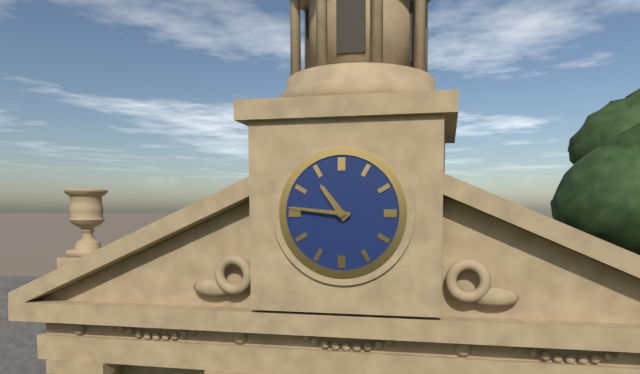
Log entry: 10:46
